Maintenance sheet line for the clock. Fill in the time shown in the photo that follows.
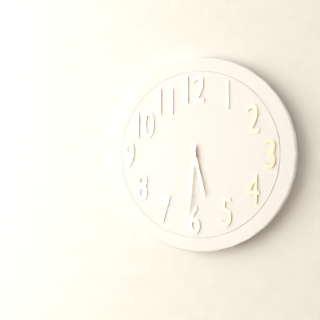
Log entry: 5:31
